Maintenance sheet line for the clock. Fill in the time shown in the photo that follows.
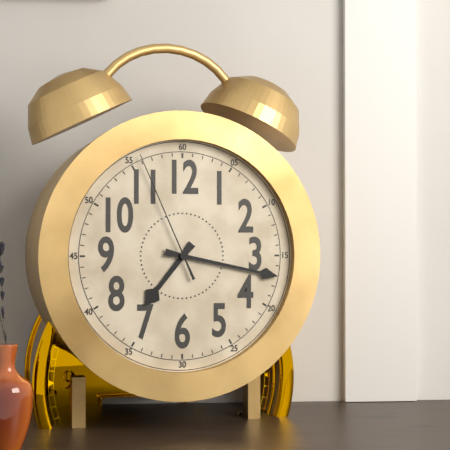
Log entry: 7:17:56
